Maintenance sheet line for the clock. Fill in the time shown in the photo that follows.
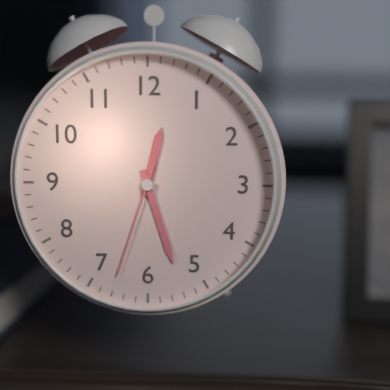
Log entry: 12:27:33
